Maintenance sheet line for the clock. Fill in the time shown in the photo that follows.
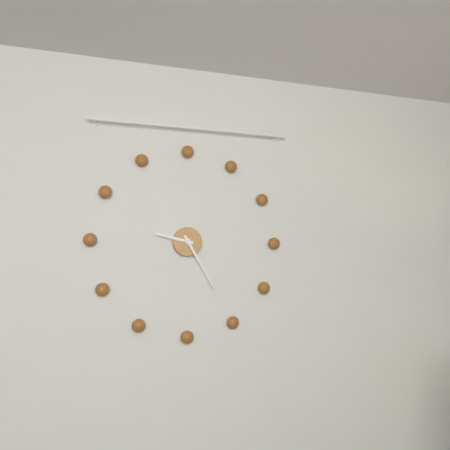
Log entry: 9:25
